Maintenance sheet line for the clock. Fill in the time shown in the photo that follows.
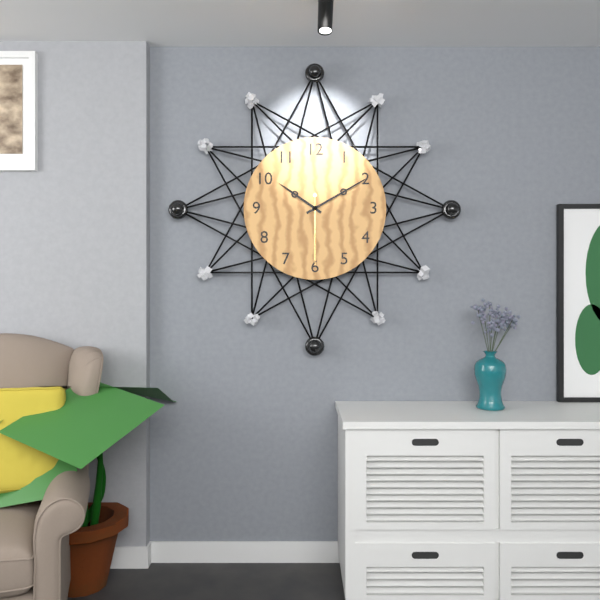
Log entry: 10:10:30
